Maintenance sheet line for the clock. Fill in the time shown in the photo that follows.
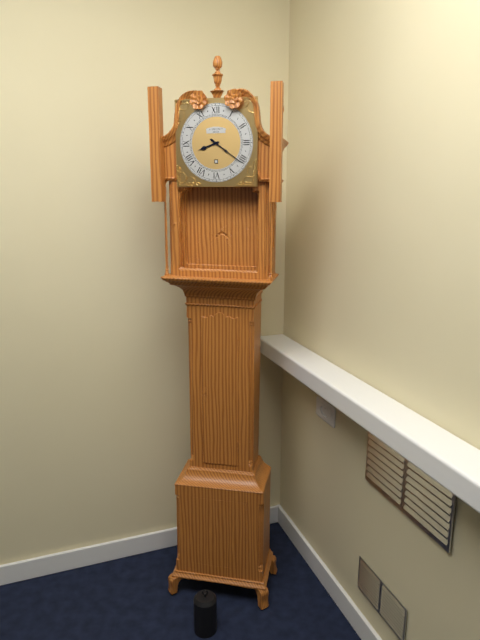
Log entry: 8:21
